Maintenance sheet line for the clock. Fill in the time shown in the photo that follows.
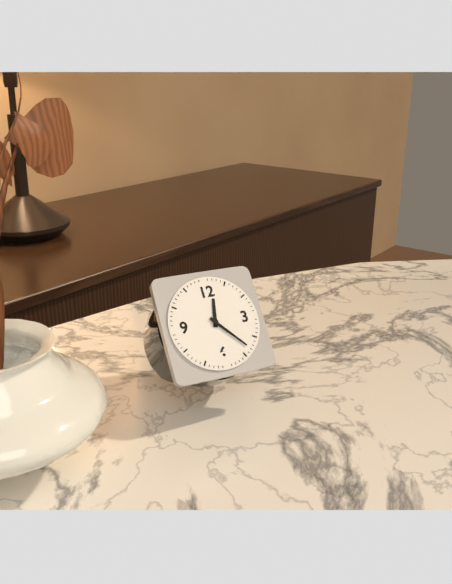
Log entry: 12:23
